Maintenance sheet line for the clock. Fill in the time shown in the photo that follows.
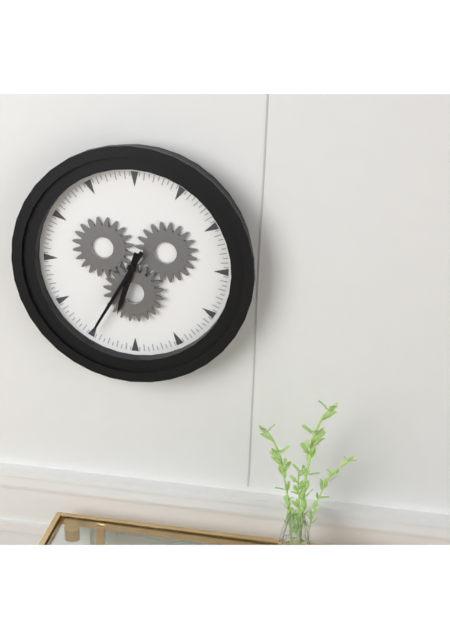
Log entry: 6:35
